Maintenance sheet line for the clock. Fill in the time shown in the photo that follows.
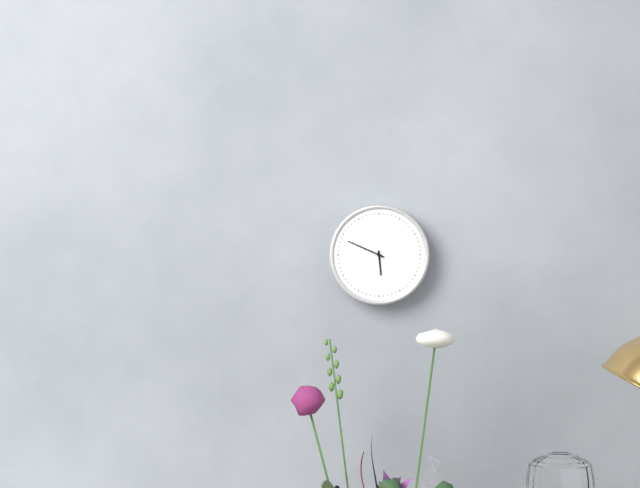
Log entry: 5:49
